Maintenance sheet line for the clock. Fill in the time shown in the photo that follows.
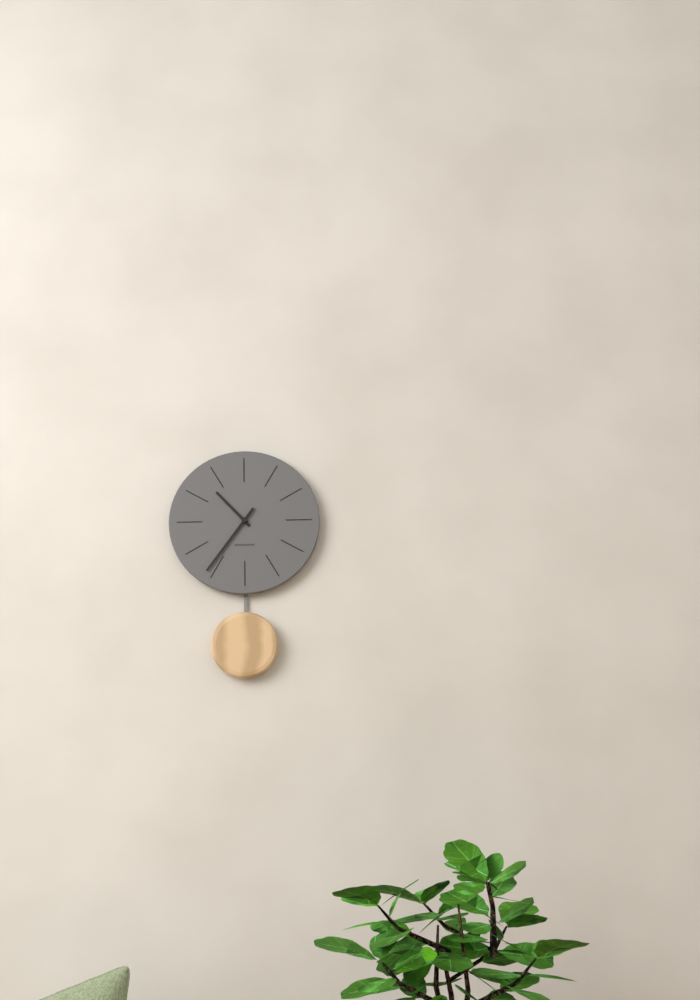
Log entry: 10:36
